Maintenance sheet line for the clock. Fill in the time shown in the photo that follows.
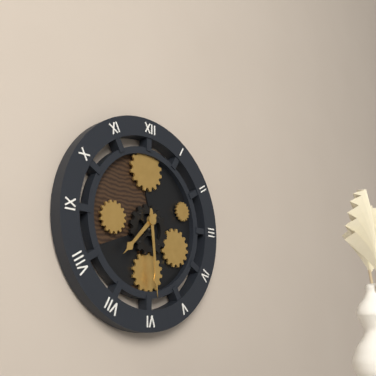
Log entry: 7:29
